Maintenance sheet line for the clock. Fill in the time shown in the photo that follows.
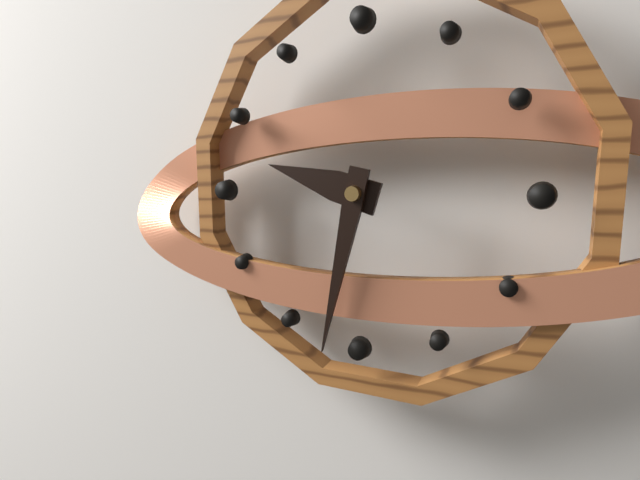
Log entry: 9:32
